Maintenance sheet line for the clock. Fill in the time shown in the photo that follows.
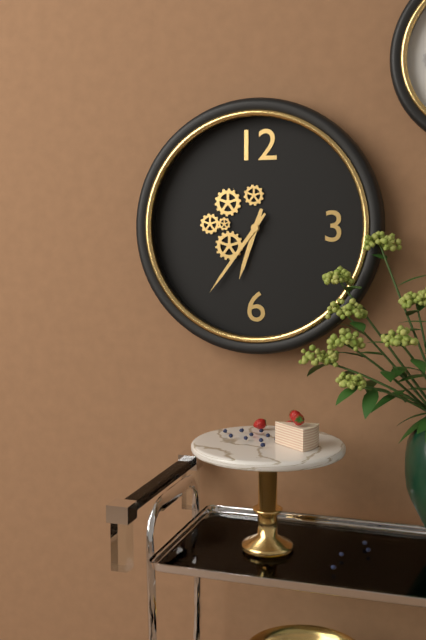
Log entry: 6:36
